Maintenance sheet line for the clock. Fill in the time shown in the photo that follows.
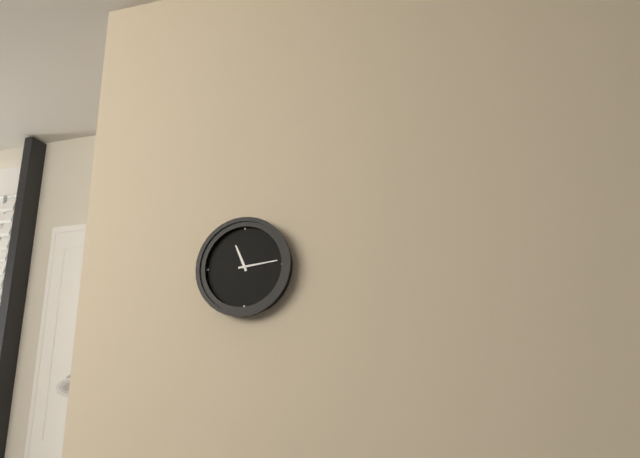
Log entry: 11:14
